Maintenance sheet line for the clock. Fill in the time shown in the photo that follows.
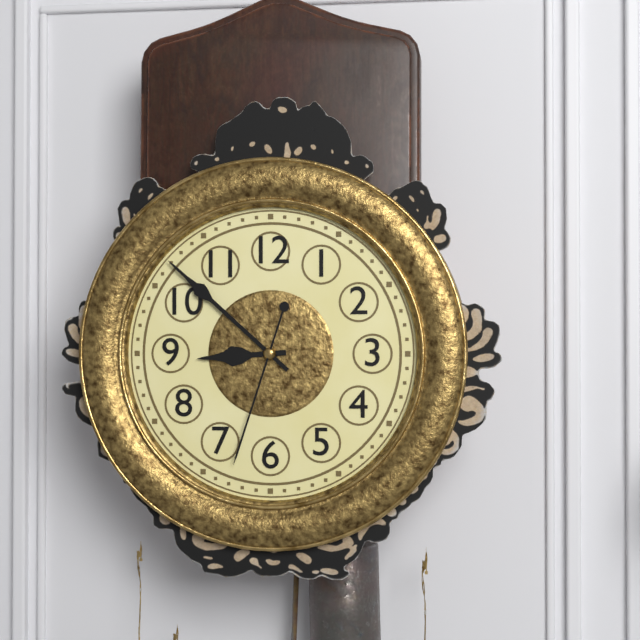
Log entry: 8:52:33
